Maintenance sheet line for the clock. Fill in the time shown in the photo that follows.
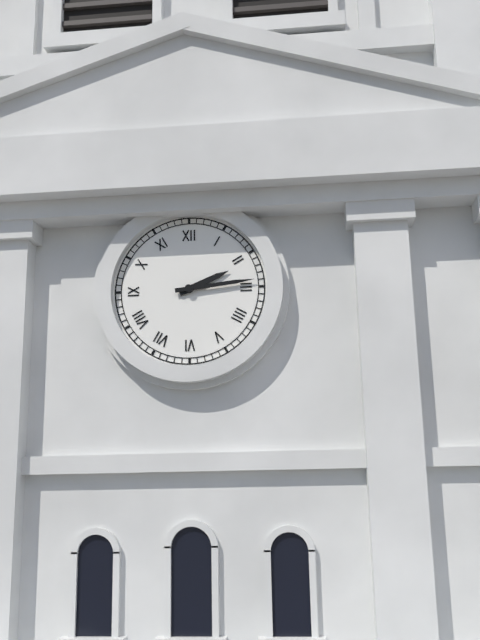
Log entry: 2:14
